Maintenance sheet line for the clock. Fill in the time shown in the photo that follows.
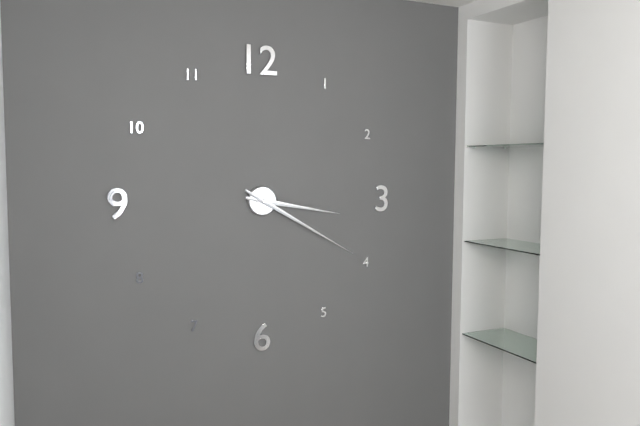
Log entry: 3:20
